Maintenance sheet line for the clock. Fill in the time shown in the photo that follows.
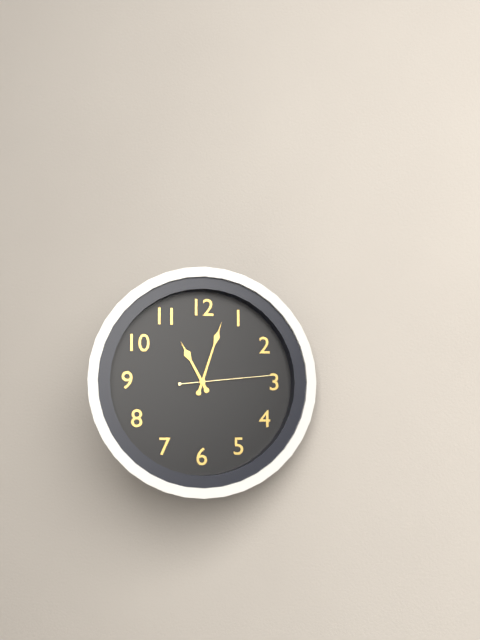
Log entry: 11:03:14
